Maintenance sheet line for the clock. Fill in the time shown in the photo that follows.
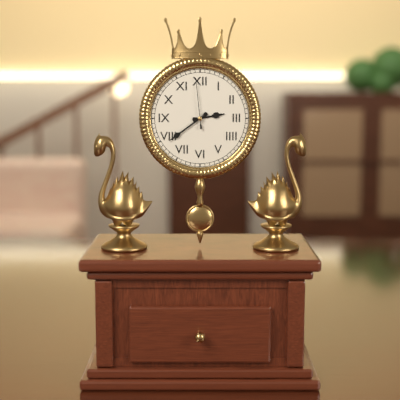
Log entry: 2:39:59
